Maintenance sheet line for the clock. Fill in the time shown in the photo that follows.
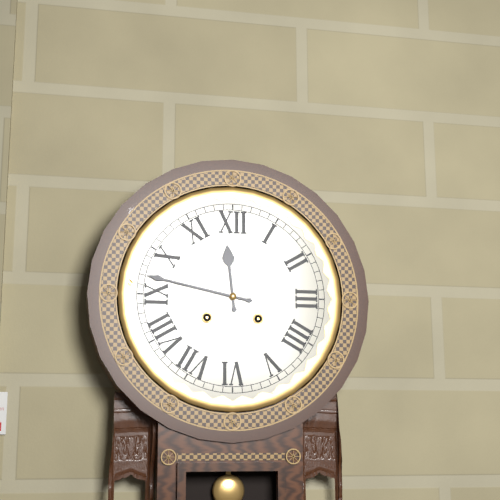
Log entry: 11:47
